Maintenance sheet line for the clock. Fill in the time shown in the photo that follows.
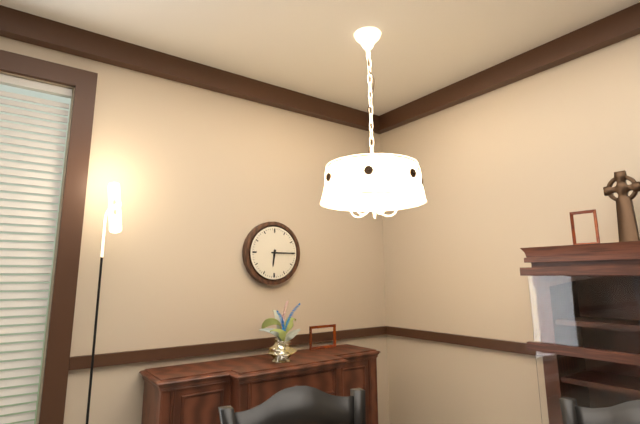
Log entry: 6:15
